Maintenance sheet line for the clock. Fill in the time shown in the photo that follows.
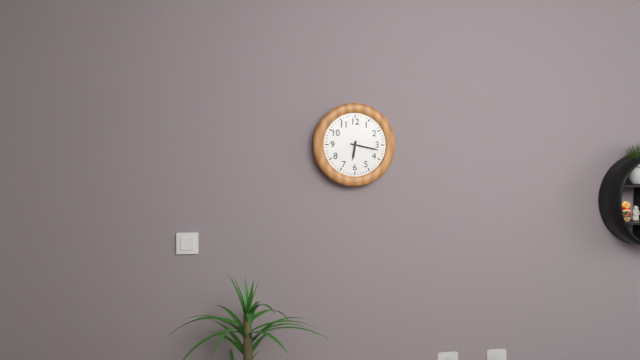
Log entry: 6:17
